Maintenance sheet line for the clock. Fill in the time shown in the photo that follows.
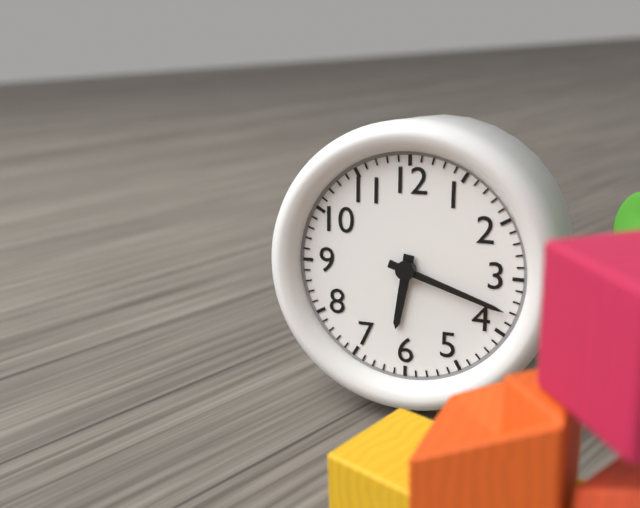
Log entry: 6:18
